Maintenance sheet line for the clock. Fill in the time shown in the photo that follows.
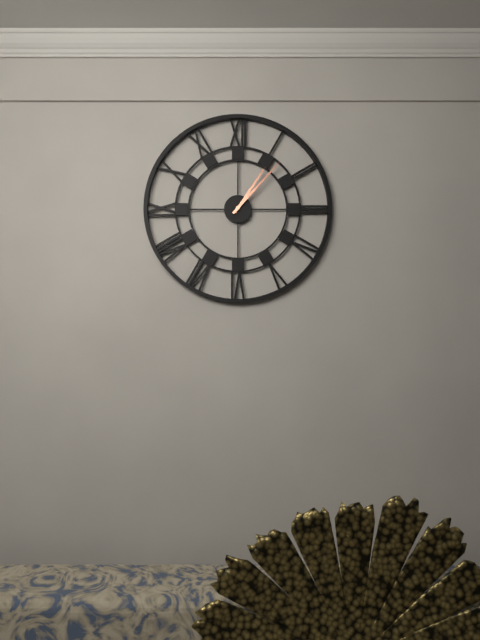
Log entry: 1:07
